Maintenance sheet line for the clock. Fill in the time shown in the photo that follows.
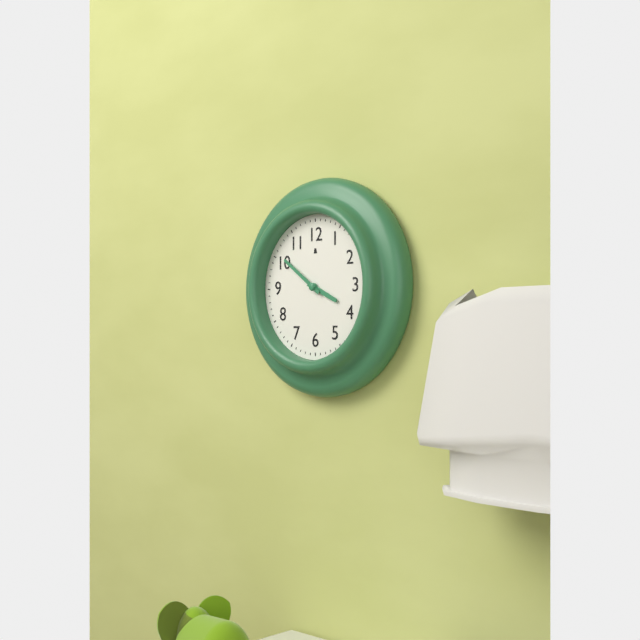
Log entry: 3:51
